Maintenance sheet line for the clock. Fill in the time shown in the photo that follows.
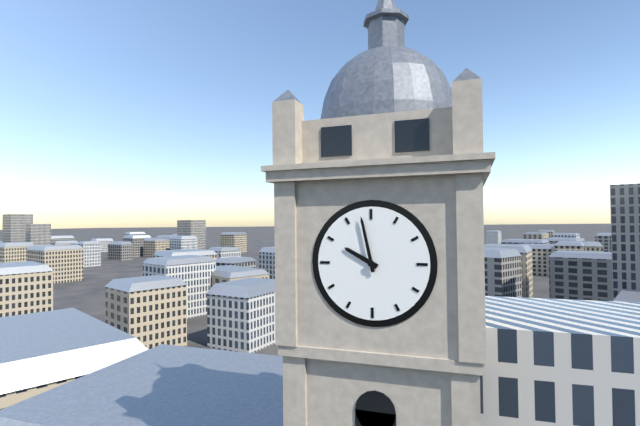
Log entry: 9:58
